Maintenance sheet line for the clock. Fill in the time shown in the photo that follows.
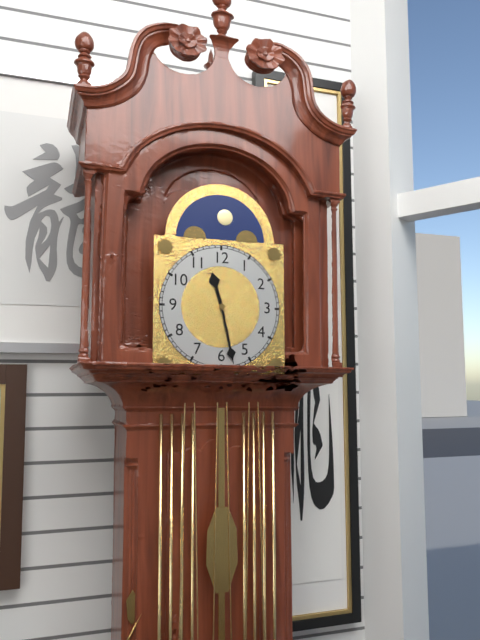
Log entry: 11:28
